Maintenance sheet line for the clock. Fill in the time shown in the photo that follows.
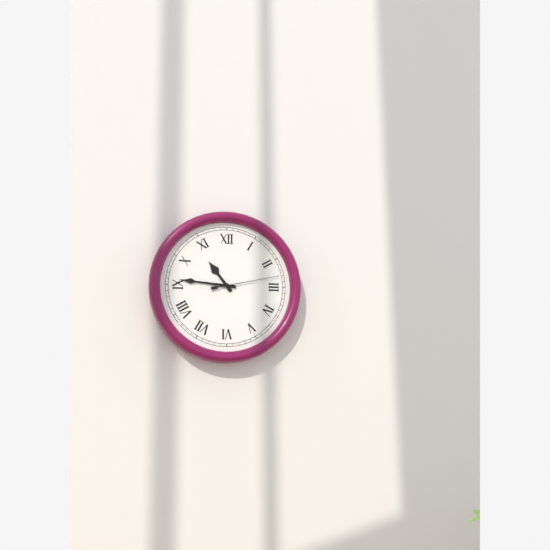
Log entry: 10:46:13
